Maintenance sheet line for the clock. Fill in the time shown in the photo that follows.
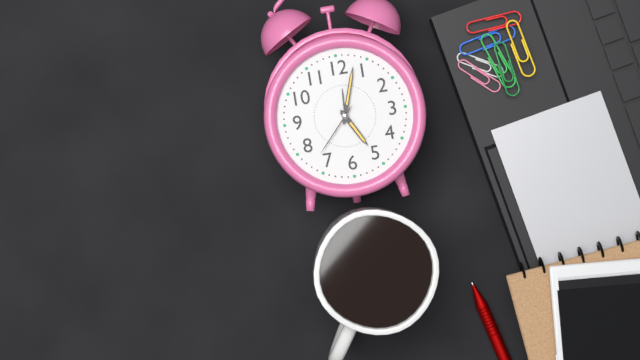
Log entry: 5:03:37
